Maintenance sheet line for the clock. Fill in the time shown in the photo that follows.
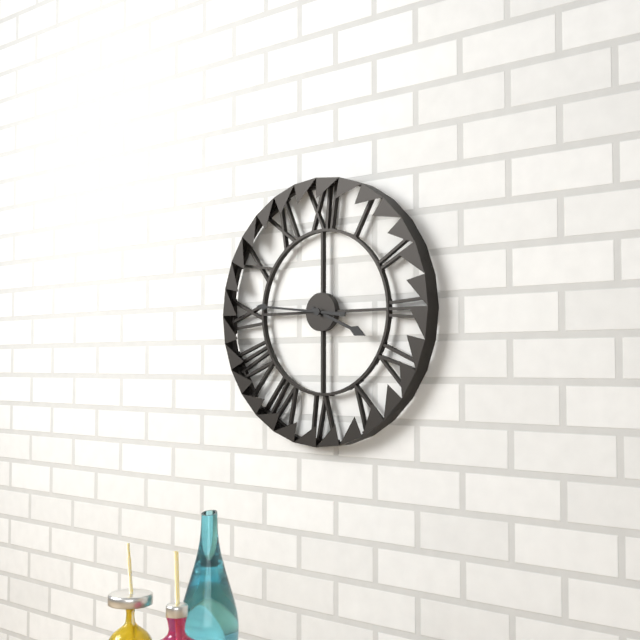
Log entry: 3:46
